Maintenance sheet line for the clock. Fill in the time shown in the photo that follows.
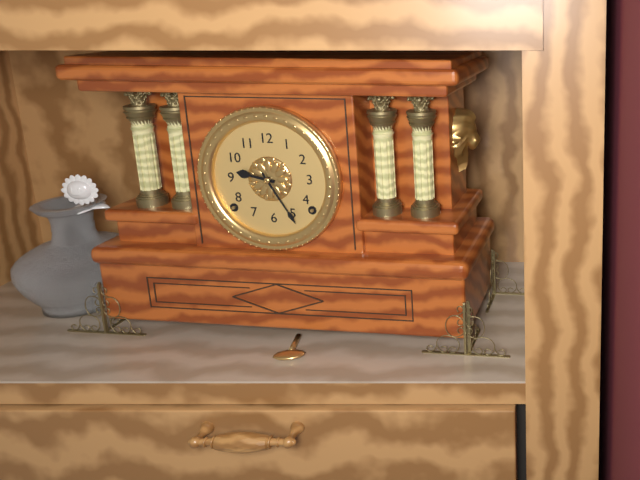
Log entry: 9:25
